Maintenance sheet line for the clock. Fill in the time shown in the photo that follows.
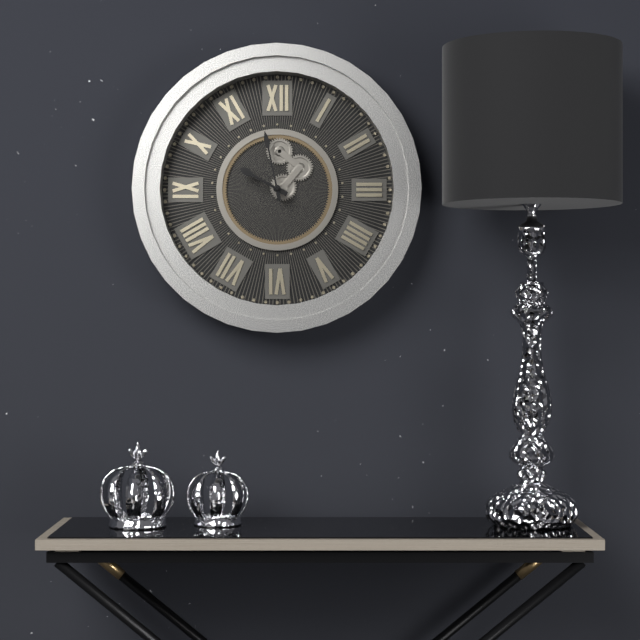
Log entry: 9:58
